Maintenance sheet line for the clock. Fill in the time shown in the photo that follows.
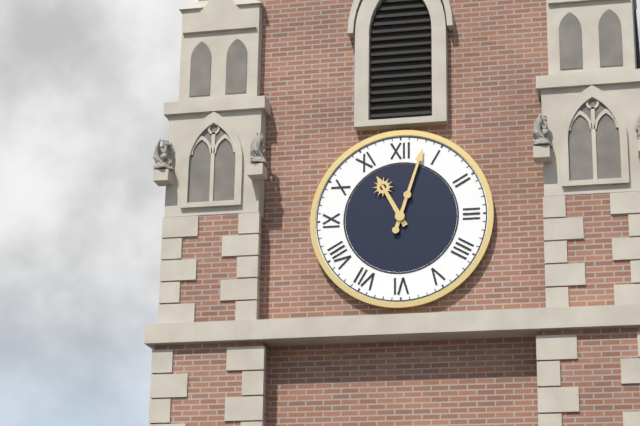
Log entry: 11:03
